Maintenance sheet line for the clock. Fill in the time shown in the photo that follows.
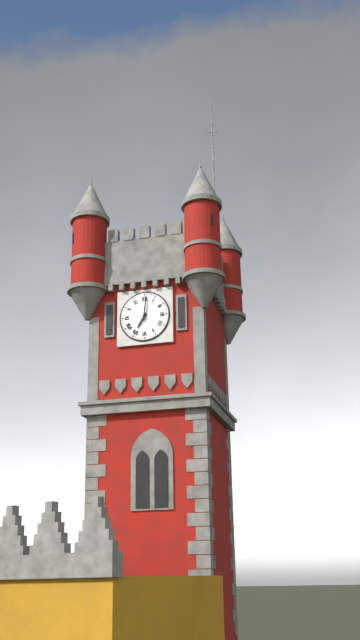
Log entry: 7:01
